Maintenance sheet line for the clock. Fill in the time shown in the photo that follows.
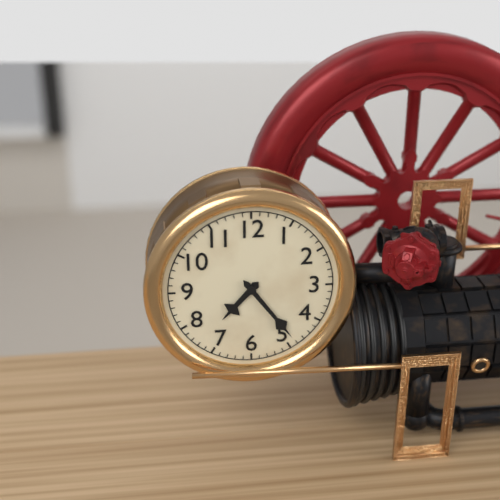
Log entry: 7:24
